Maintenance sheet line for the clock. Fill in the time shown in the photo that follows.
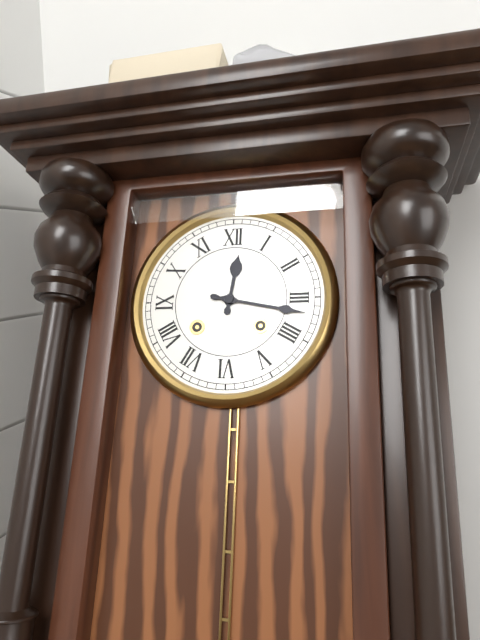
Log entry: 12:17
